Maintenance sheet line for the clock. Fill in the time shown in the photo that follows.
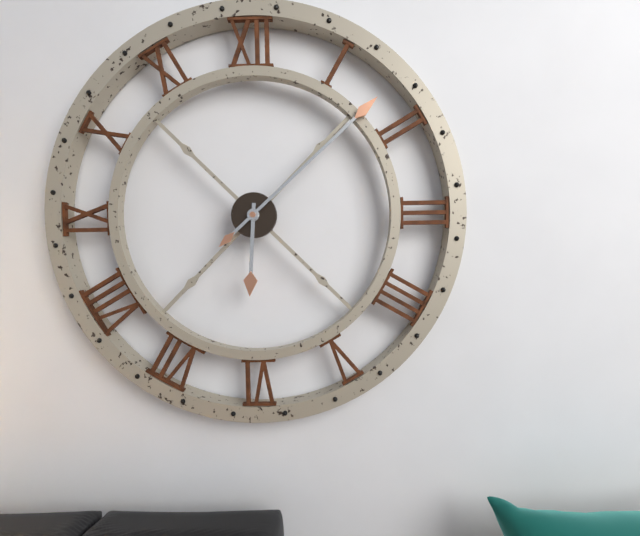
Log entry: 6:08
